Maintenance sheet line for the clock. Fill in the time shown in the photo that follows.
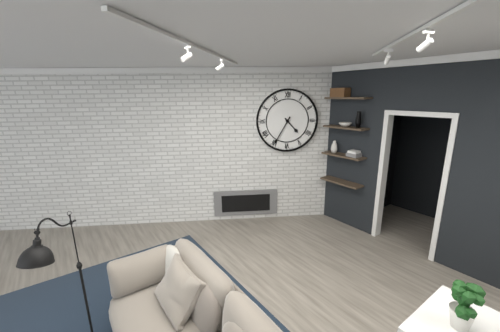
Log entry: 4:35
